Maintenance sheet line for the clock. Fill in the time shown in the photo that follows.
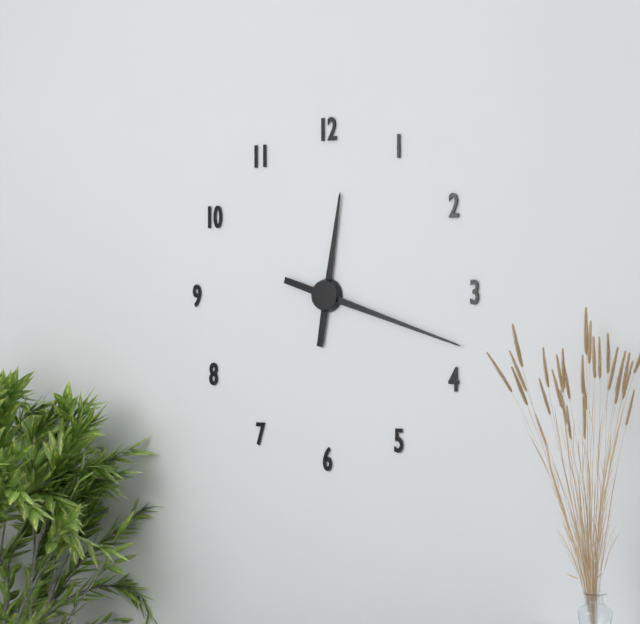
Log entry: 12:18
